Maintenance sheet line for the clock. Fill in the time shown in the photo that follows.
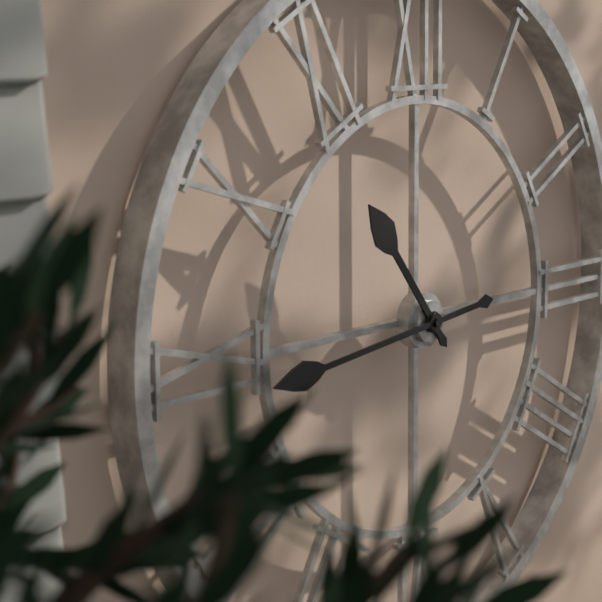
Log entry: 10:44
